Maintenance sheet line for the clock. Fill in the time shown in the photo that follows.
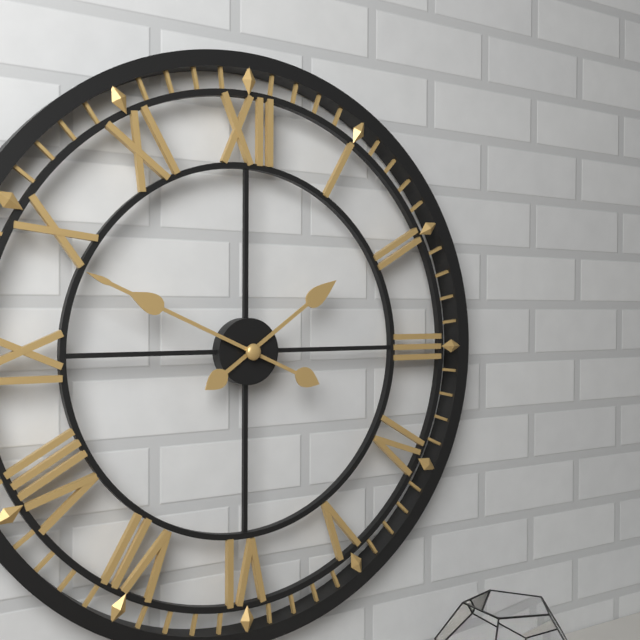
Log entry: 1:49
